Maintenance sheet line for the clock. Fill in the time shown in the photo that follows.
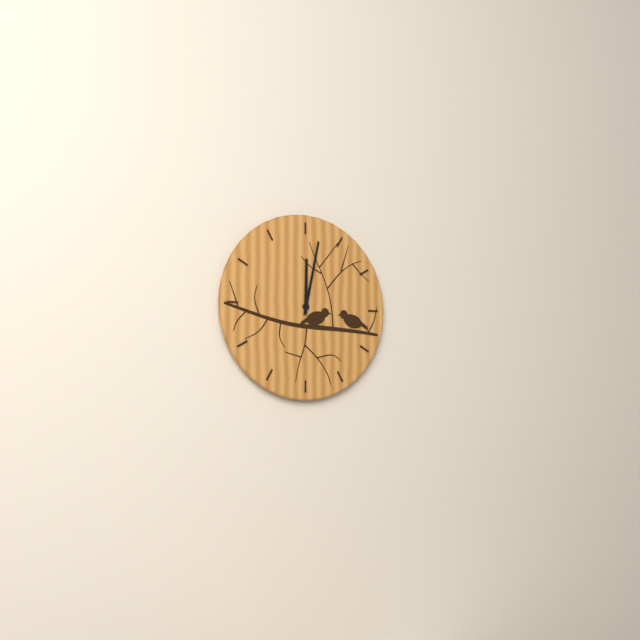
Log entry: 12:02
